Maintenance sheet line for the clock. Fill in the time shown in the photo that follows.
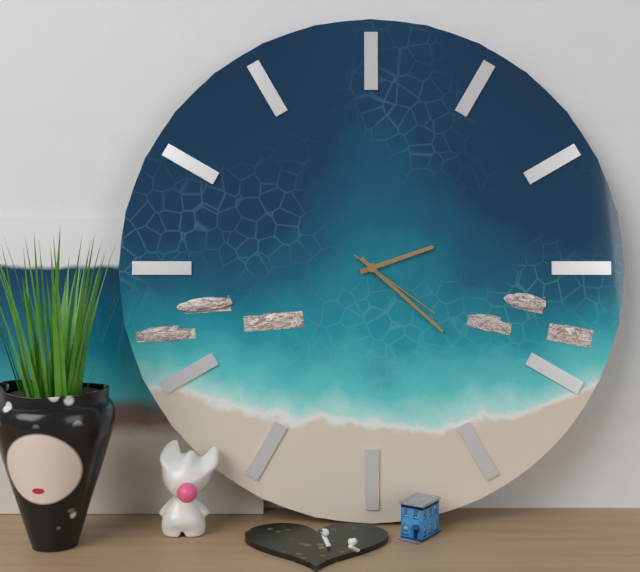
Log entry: 2:22:21
